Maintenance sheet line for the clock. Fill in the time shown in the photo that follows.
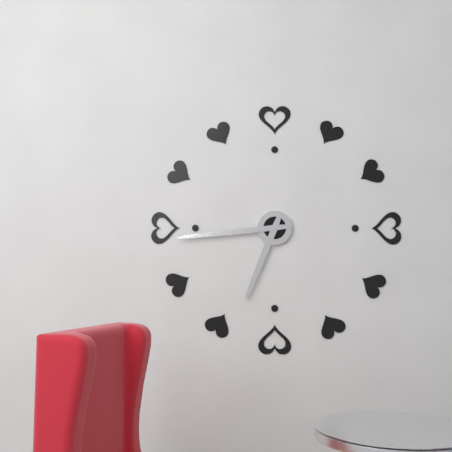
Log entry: 6:44
